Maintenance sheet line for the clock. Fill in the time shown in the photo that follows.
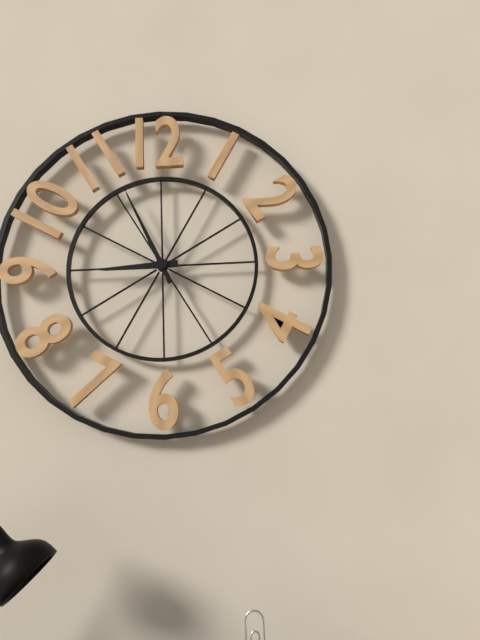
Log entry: 8:56
